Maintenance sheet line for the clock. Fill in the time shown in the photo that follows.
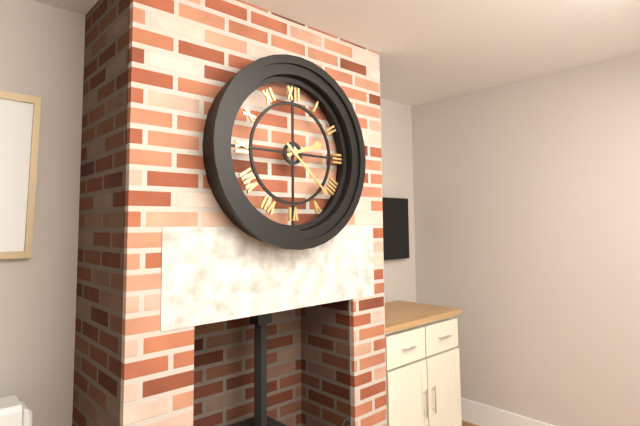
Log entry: 2:22
